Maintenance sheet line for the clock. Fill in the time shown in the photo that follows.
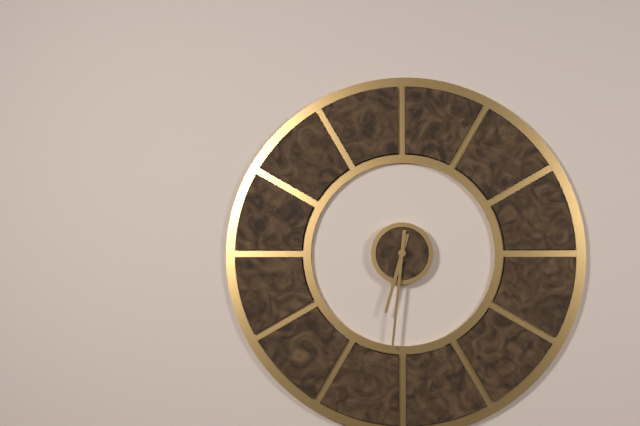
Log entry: 6:31
